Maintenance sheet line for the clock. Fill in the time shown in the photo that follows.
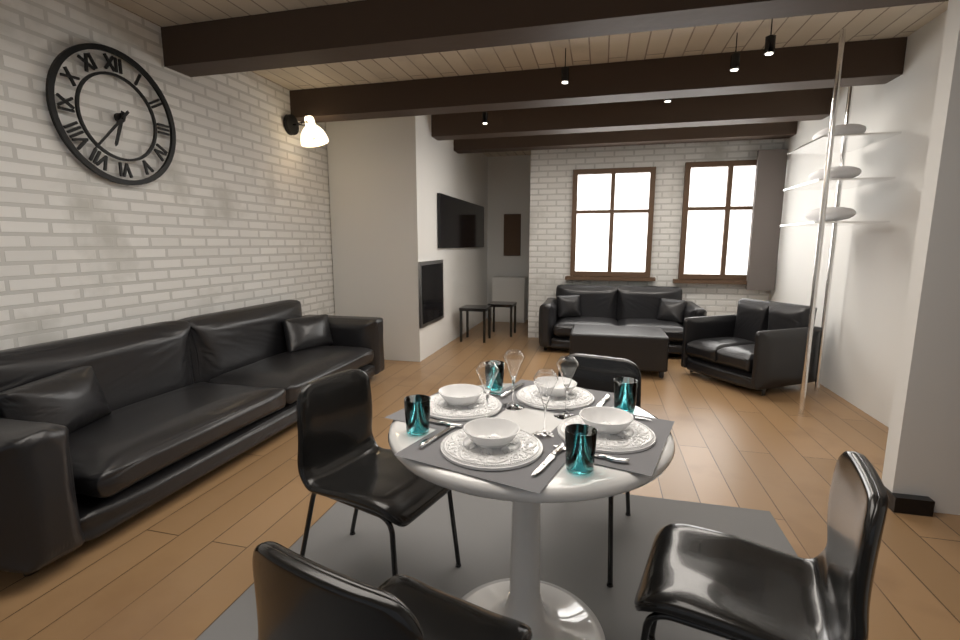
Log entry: 6:37
